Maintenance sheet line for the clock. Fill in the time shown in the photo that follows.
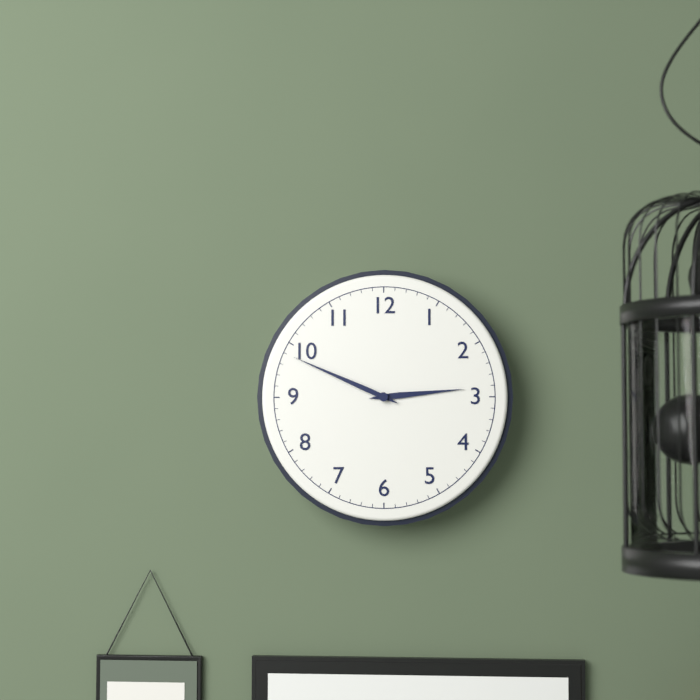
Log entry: 2:49
